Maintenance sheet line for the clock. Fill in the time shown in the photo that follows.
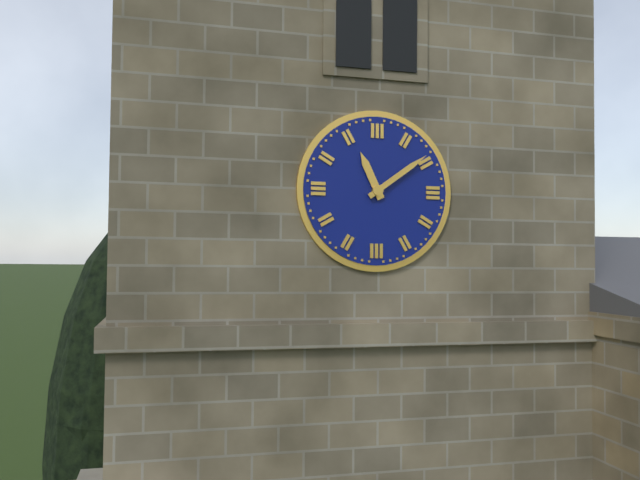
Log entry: 11:09
